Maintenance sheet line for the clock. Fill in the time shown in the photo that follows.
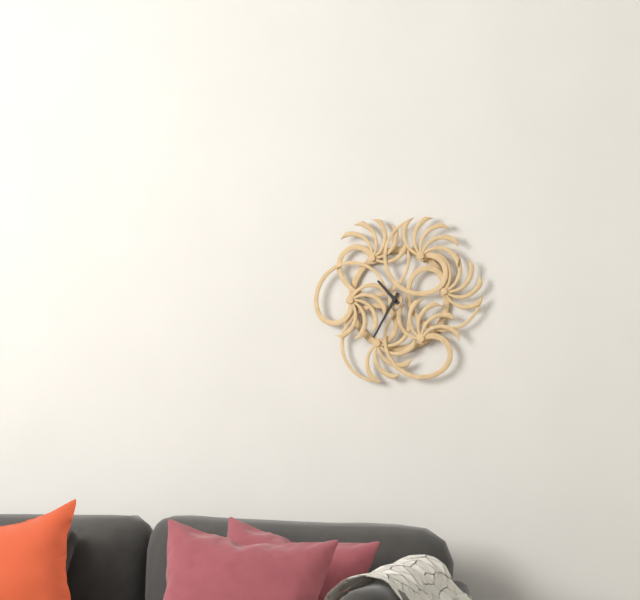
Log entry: 10:35
